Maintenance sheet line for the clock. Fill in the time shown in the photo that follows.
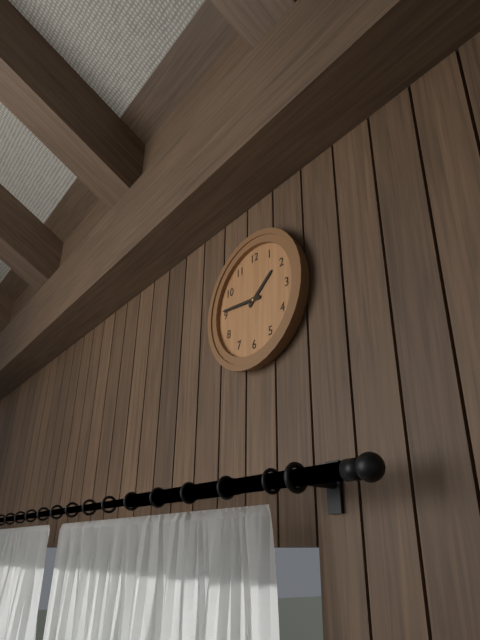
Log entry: 1:46
